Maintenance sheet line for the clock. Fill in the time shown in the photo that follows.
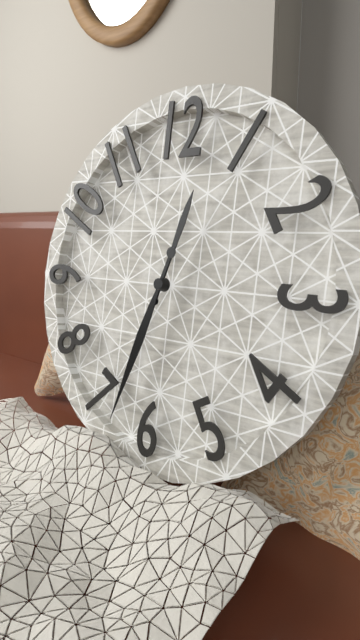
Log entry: 12:33
